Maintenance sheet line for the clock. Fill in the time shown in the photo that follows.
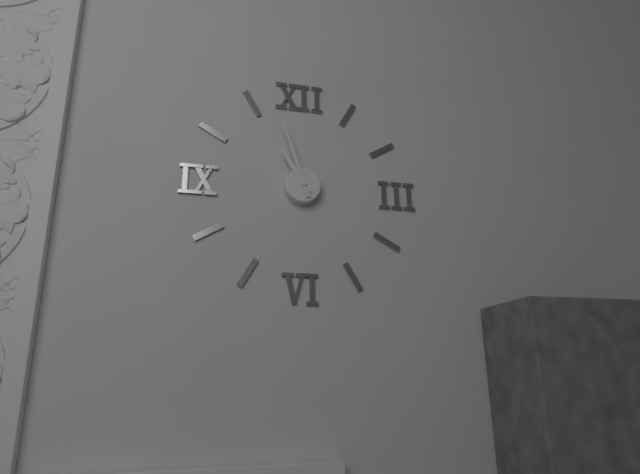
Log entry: 10:57
